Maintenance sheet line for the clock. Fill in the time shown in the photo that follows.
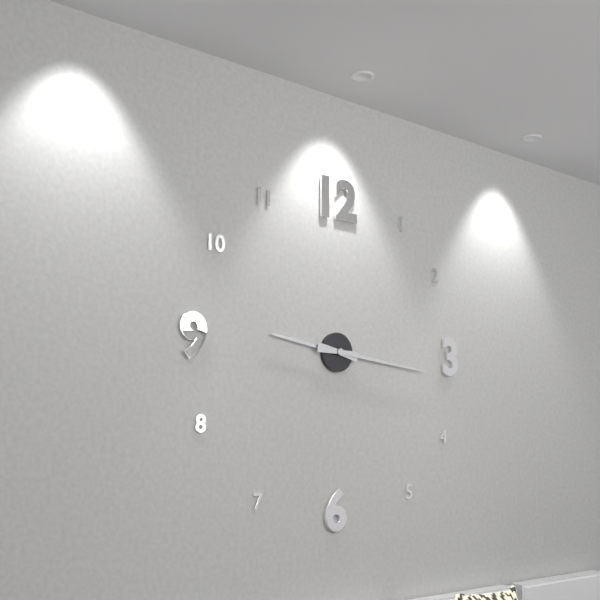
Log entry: 9:16
